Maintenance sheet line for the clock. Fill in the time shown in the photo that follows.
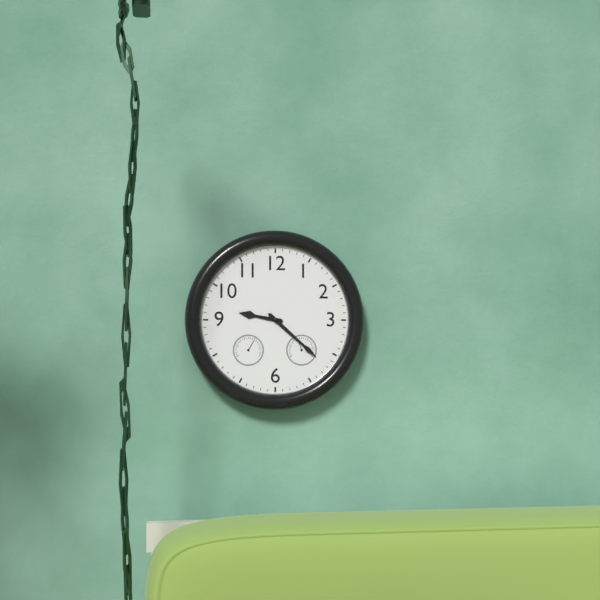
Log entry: 9:22
